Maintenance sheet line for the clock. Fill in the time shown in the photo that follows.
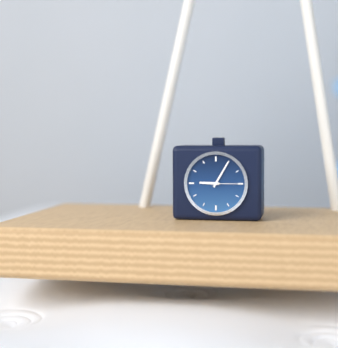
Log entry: 9:05
